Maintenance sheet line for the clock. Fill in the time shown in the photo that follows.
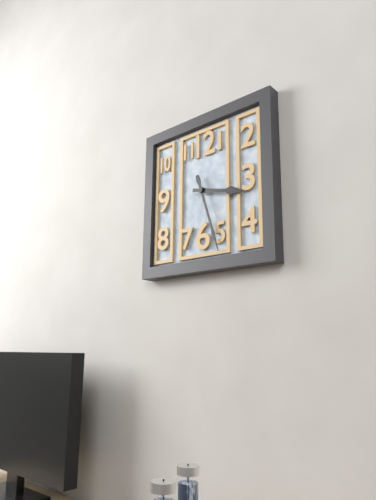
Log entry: 3:27
